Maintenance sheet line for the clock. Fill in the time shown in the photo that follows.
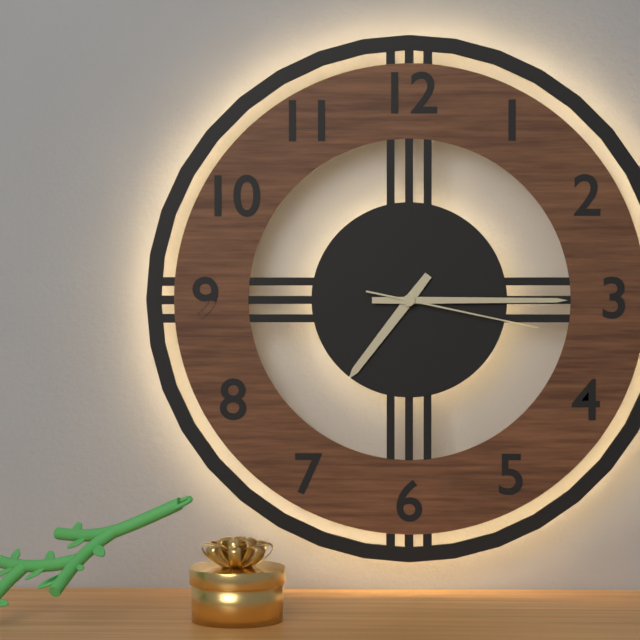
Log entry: 7:15:17
